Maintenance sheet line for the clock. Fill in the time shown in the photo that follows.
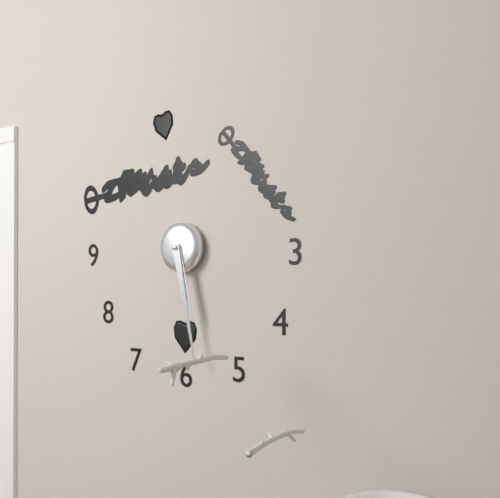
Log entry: 5:28
